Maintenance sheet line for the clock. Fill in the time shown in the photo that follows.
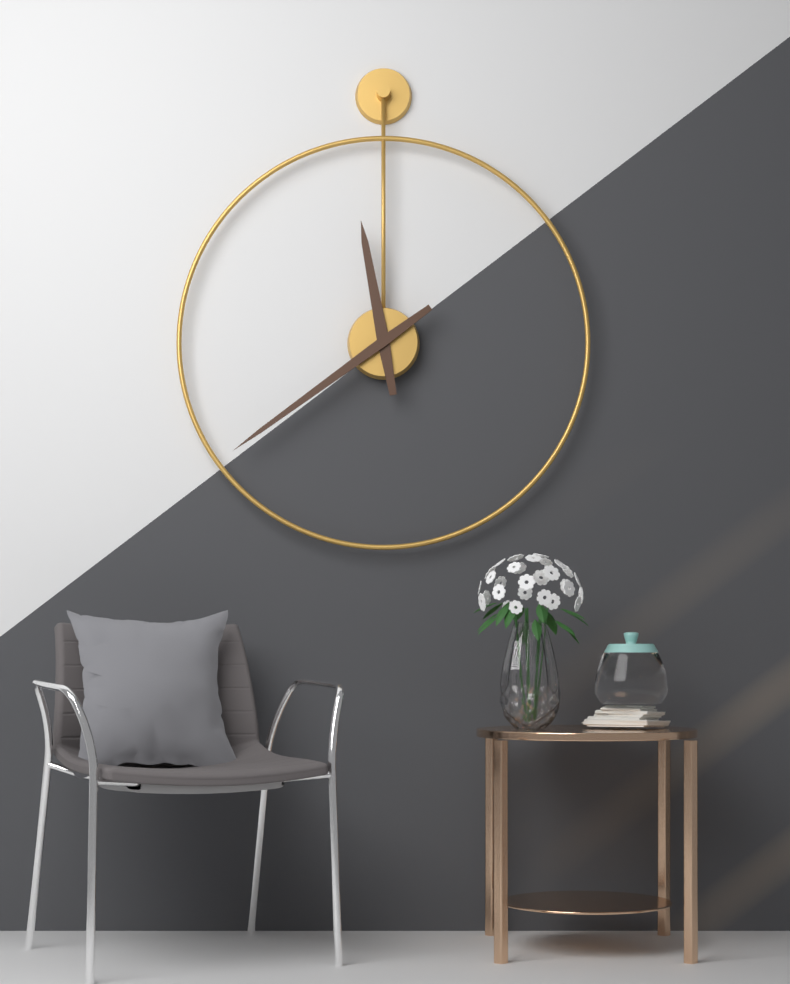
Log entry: 11:39
